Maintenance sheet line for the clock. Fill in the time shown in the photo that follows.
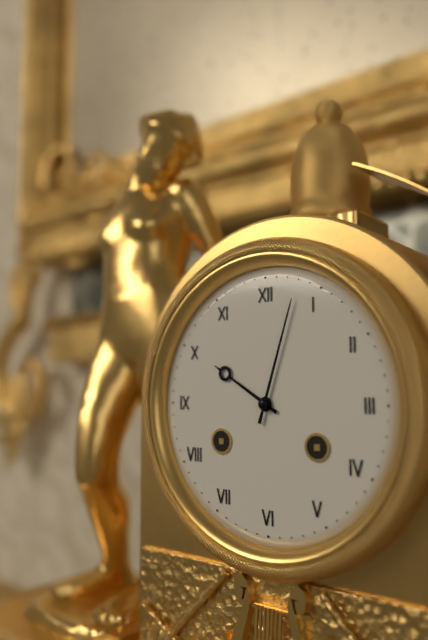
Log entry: 10:03
